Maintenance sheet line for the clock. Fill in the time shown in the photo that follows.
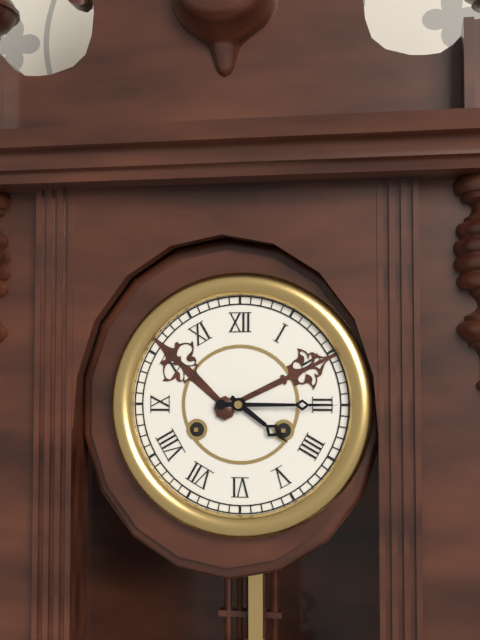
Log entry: 4:15
